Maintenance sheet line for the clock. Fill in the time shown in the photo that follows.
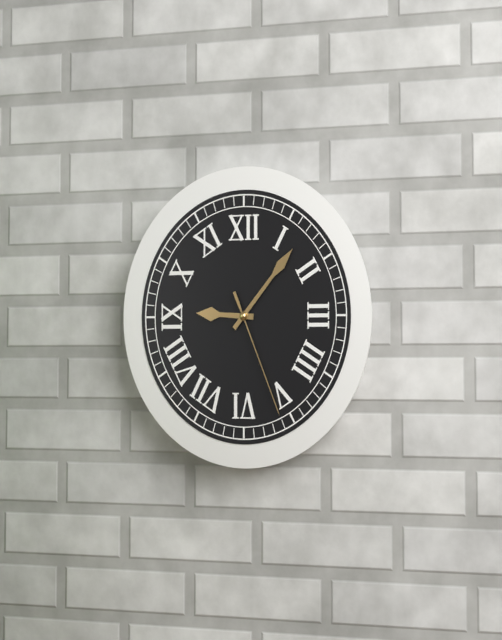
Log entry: 9:07:26
